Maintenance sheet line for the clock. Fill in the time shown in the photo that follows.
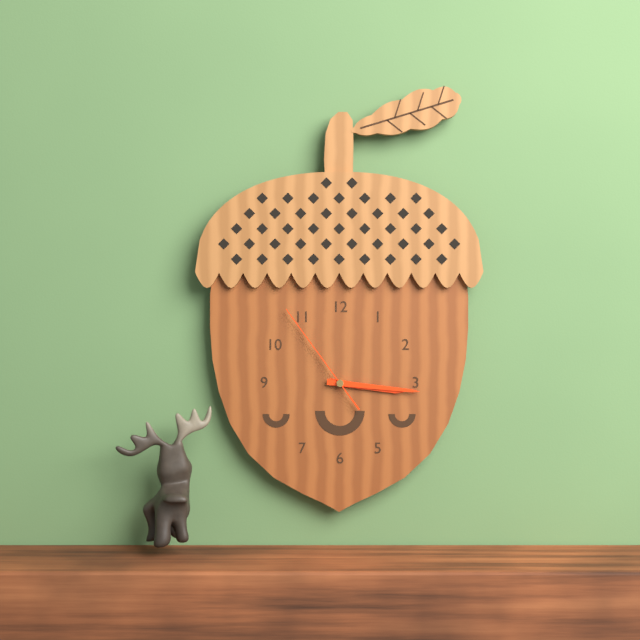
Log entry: 3:16:54
